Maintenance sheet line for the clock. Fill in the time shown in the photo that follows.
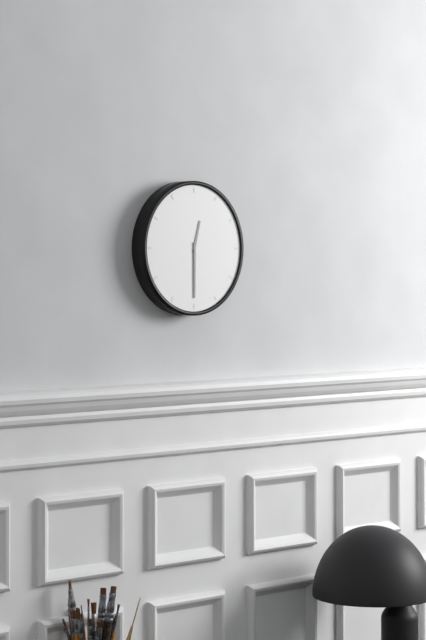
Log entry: 12:30
